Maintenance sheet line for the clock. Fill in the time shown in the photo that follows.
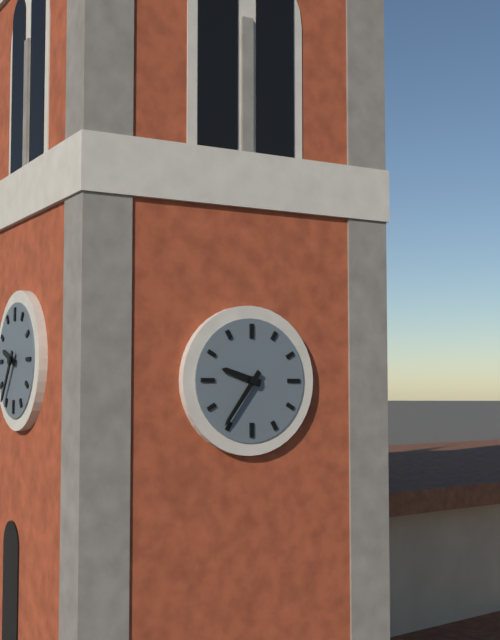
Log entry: 9:36
